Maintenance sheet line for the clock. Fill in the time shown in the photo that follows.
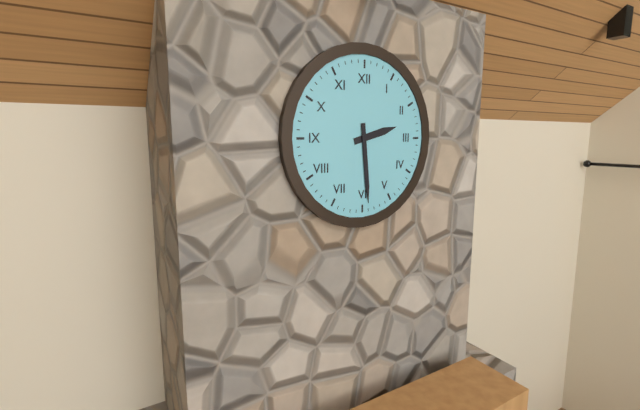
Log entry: 2:29
